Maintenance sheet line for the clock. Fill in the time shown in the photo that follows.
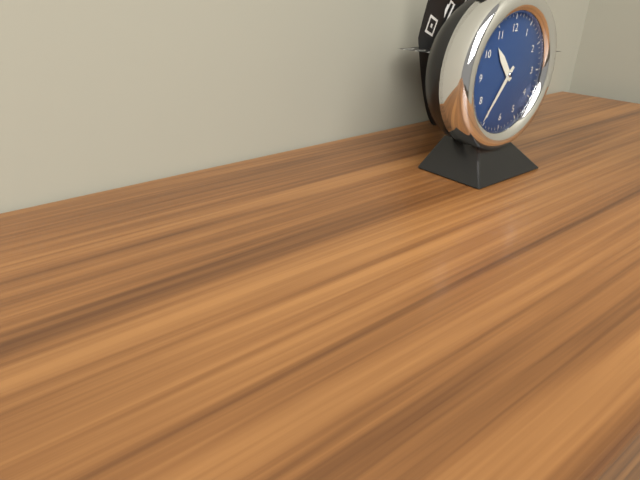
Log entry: 10:36
